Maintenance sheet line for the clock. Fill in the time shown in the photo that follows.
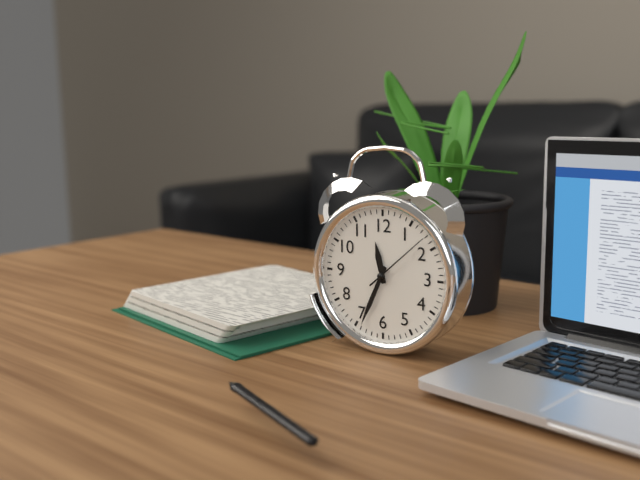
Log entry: 11:34:08
